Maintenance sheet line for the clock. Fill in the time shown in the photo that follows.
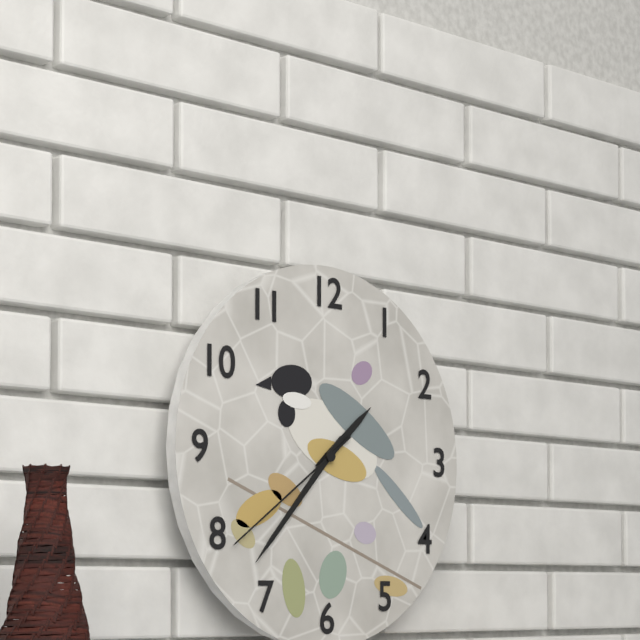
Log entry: 1:37:39
